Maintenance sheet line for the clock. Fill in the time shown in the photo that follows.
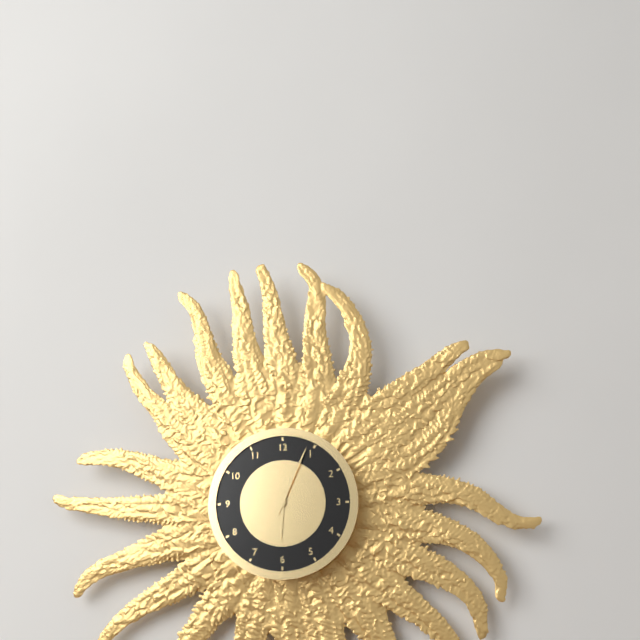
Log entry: 6:04
